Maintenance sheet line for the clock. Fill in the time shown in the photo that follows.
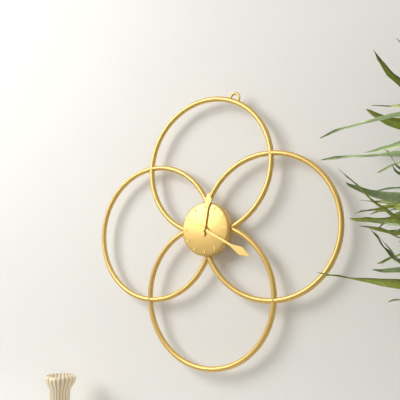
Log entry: 12:20
